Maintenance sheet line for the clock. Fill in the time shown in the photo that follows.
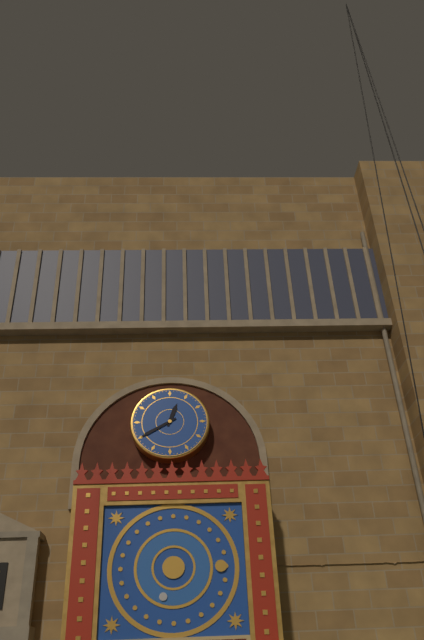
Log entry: 12:40
